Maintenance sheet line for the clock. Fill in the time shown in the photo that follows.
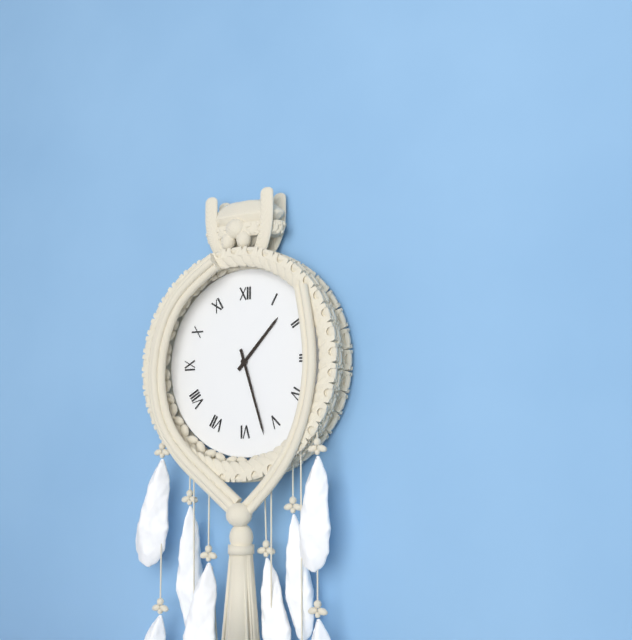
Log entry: 1:27
